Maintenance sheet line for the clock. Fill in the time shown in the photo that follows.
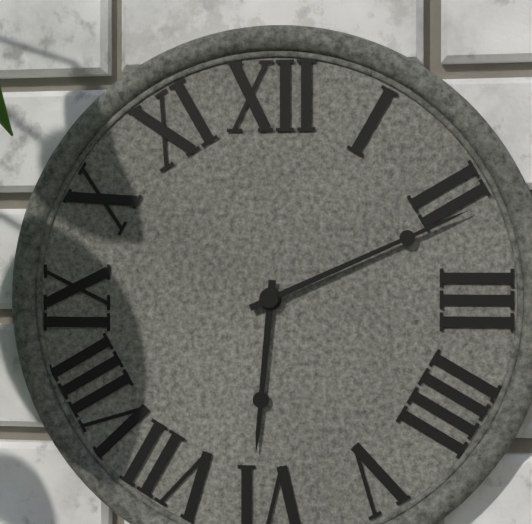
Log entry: 6:11
